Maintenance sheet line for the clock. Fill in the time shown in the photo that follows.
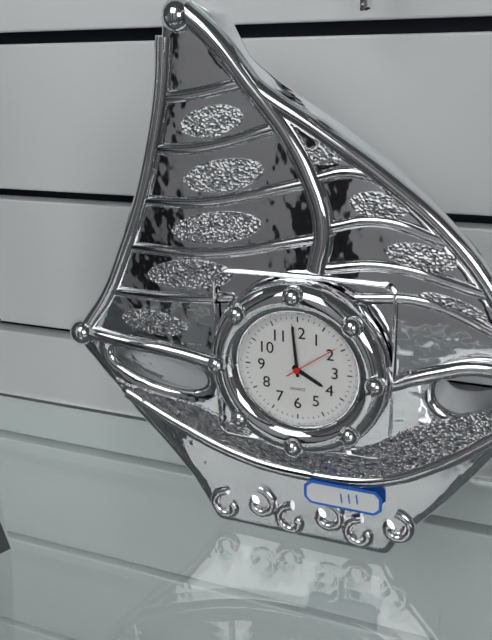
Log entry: 3:59:09
